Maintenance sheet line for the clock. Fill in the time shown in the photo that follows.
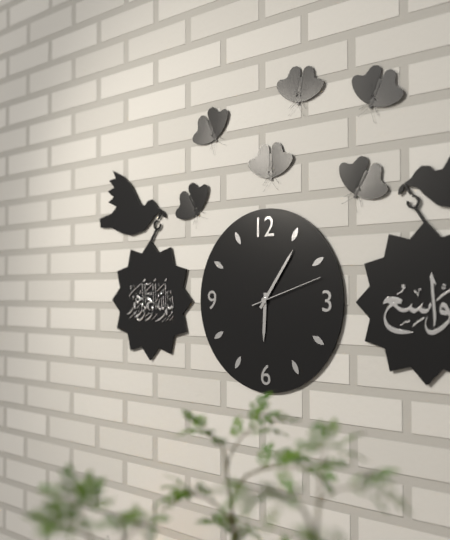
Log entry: 6:06:12
